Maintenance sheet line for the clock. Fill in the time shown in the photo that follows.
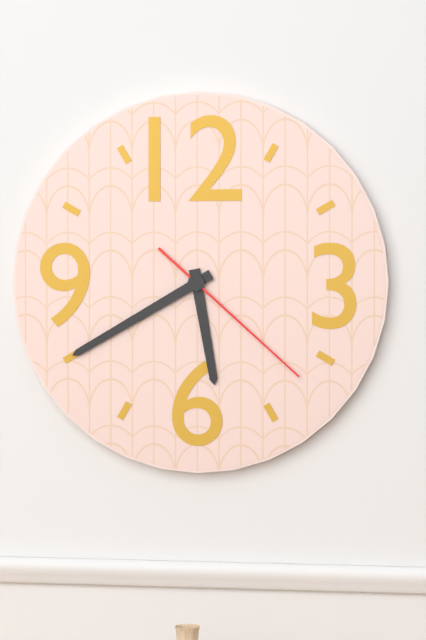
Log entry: 5:40:22
